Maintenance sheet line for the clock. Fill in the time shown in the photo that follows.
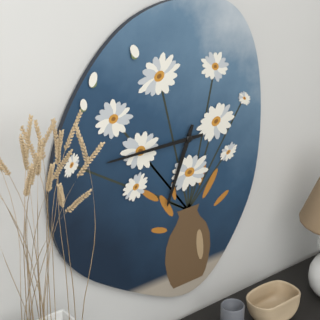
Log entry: 6:45
